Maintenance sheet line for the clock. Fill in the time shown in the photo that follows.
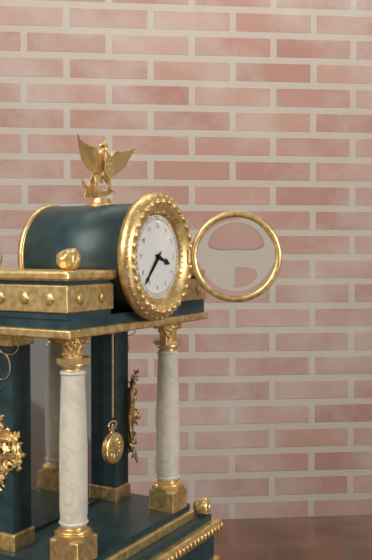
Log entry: 3:37
